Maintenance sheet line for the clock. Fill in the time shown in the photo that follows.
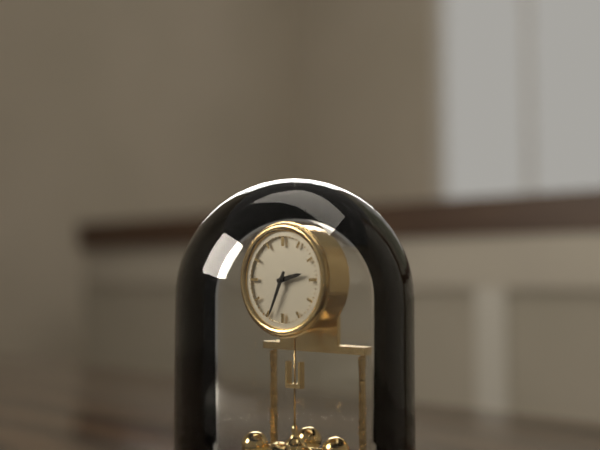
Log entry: 2:34
